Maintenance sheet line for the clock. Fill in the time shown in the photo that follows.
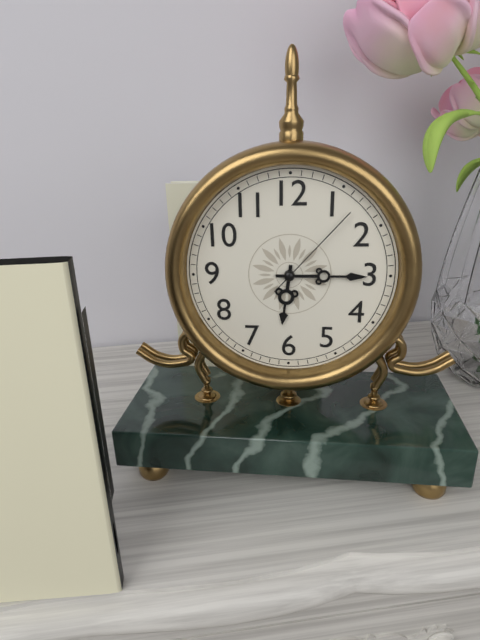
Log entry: 6:15:07
